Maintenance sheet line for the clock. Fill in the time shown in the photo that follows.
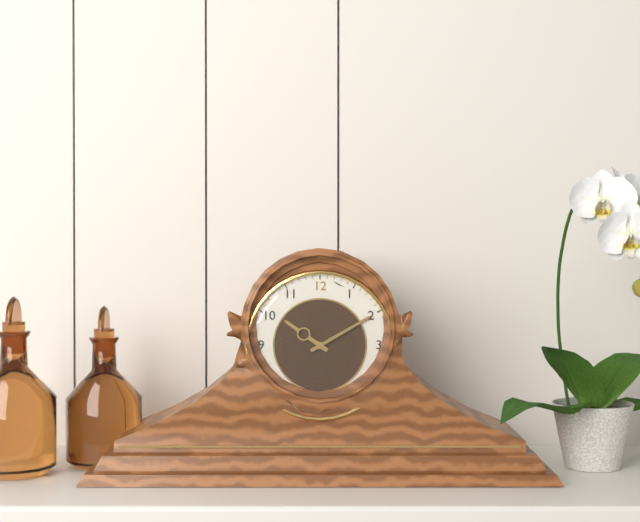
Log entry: 10:10
